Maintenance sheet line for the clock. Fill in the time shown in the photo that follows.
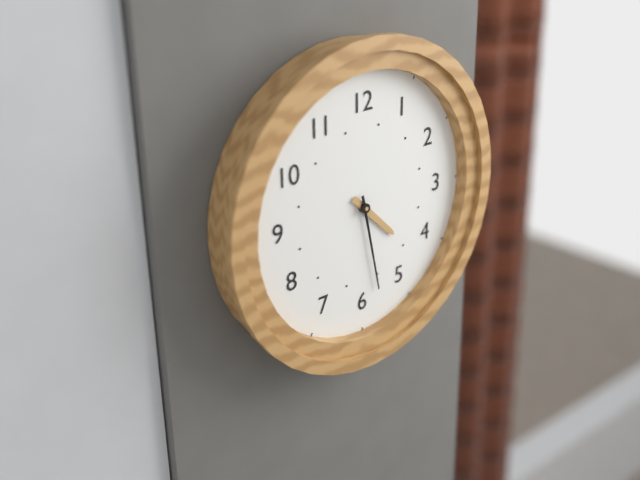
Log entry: 4:28
